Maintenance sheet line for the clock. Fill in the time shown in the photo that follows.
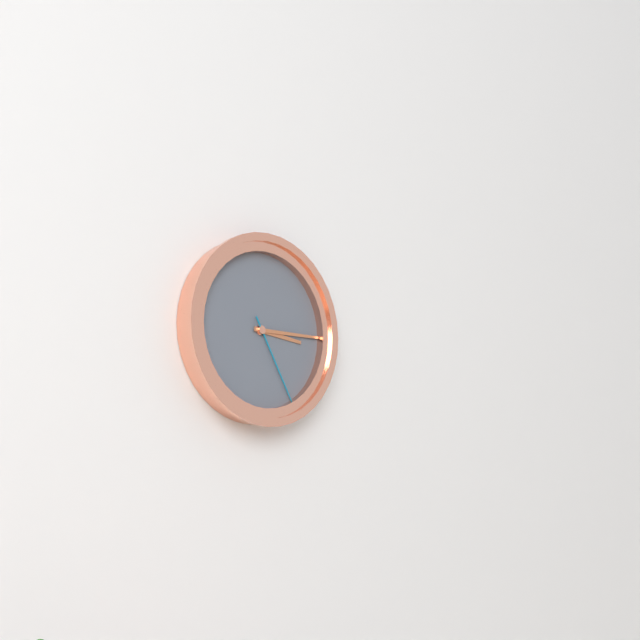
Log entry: 3:15:25
